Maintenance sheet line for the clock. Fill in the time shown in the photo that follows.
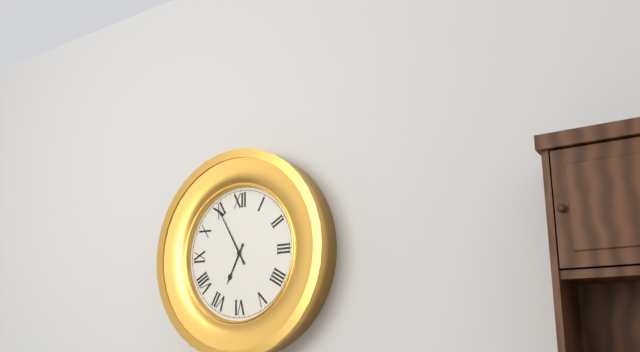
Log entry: 6:55
